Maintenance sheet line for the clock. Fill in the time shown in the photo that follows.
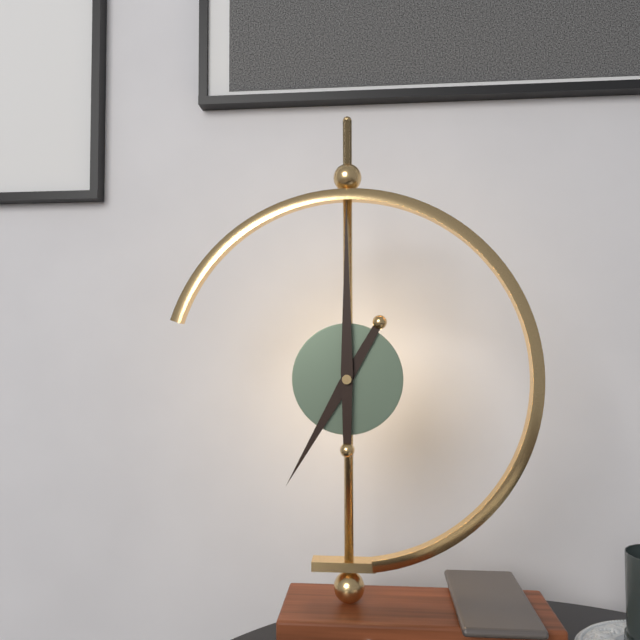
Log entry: 7:00
